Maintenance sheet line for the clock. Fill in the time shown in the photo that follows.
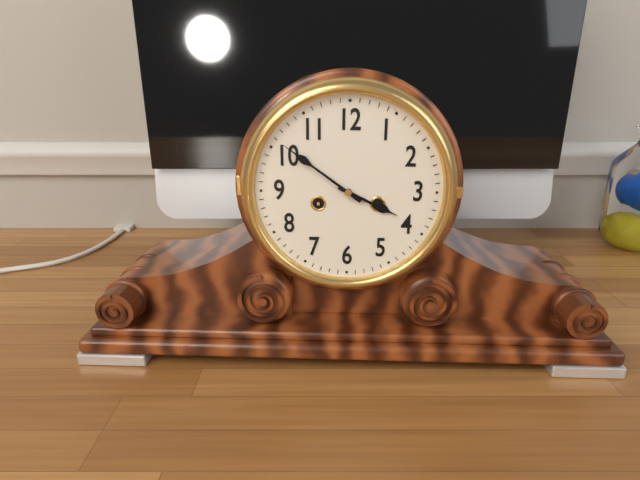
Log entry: 3:51
